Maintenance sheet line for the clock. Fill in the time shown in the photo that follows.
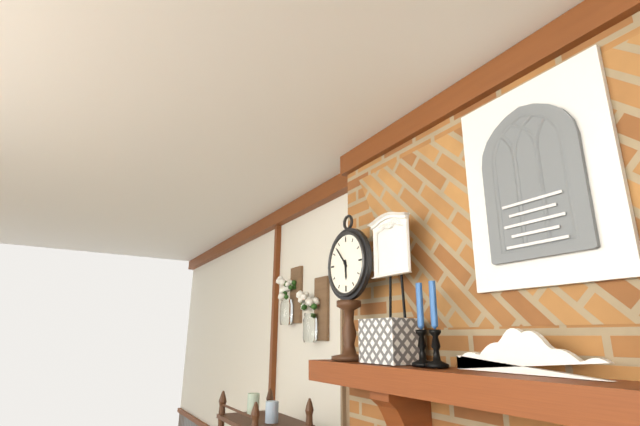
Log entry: 5:53
